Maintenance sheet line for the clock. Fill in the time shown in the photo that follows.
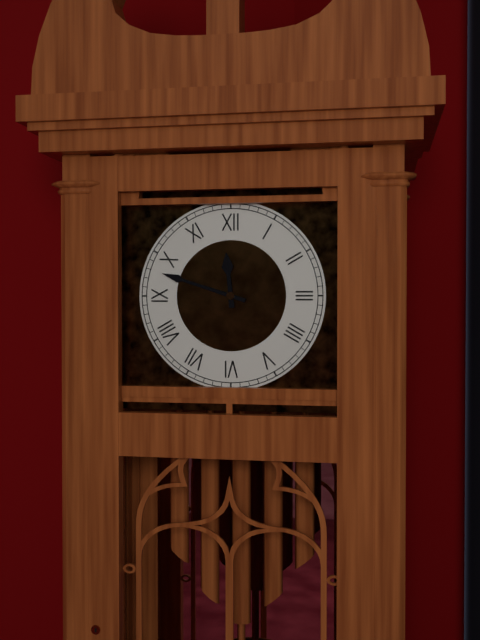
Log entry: 11:48
